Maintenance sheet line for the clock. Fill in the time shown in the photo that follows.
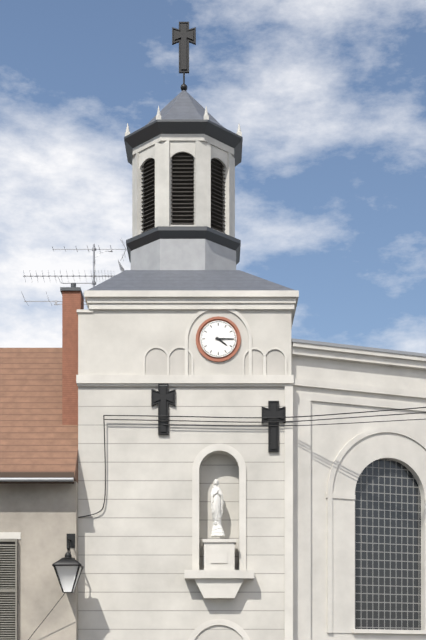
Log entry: 4:15
